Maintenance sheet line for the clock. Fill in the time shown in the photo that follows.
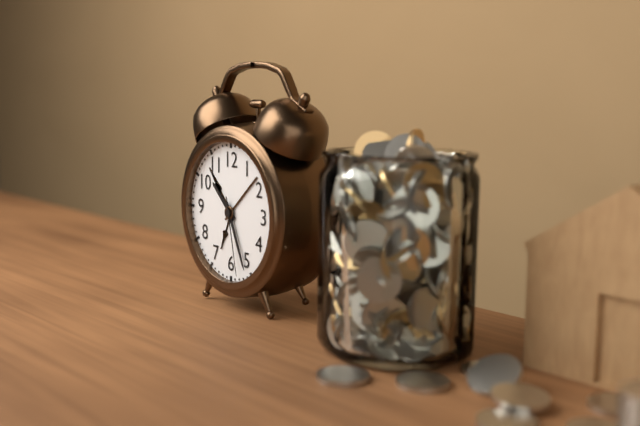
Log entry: 10:26:28
